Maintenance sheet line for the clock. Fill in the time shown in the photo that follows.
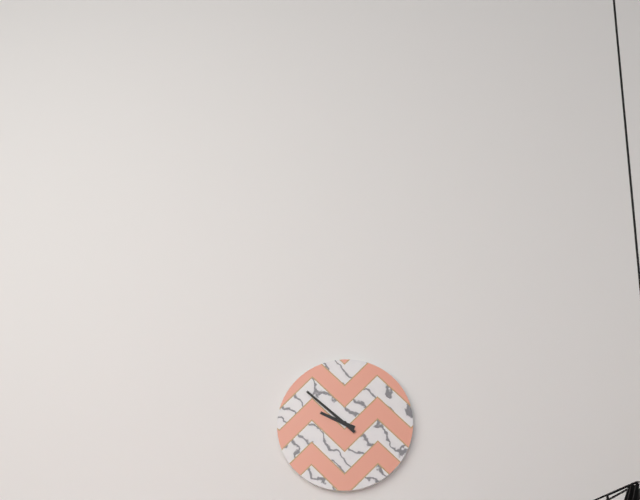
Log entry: 9:52
